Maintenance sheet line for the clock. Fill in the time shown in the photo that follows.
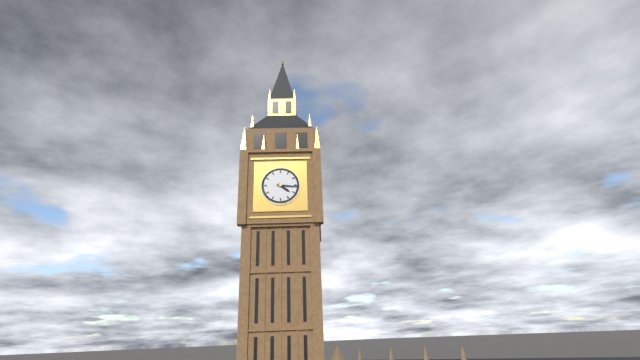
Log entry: 4:16
